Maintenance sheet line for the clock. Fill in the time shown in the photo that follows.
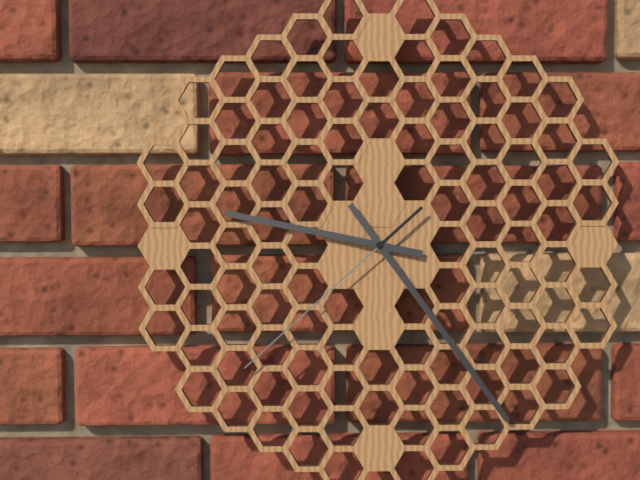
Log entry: 9:24:38
